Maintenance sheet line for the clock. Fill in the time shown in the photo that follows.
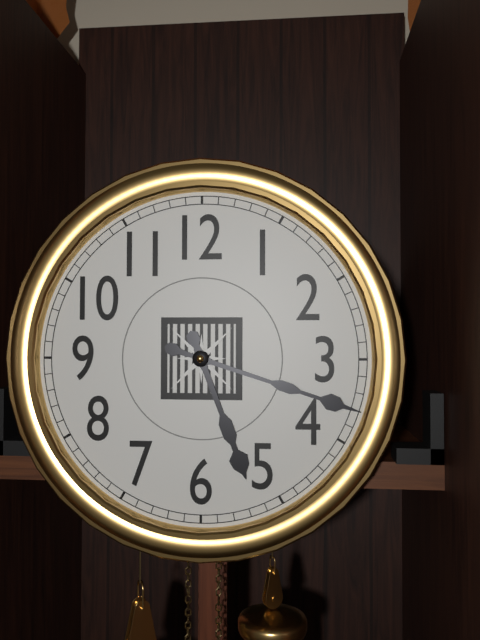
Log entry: 5:18
